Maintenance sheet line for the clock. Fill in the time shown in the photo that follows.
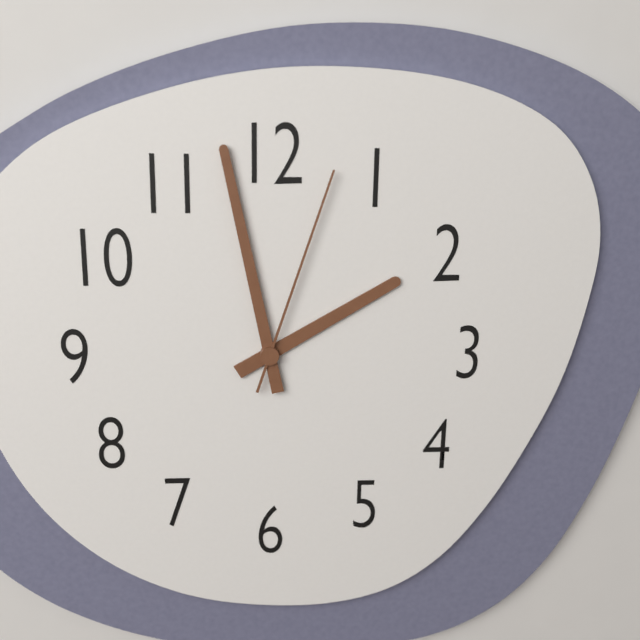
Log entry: 1:58:03
